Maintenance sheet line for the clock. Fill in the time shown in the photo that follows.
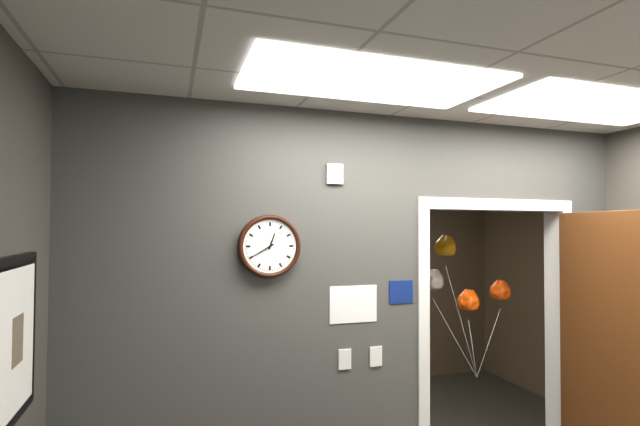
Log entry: 12:40
